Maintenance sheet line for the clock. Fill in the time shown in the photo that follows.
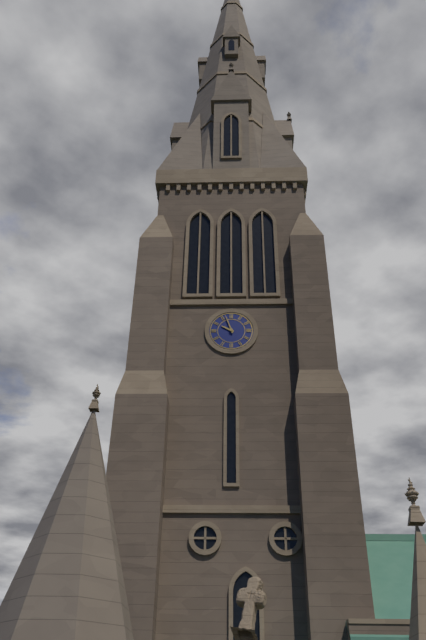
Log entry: 9:57
